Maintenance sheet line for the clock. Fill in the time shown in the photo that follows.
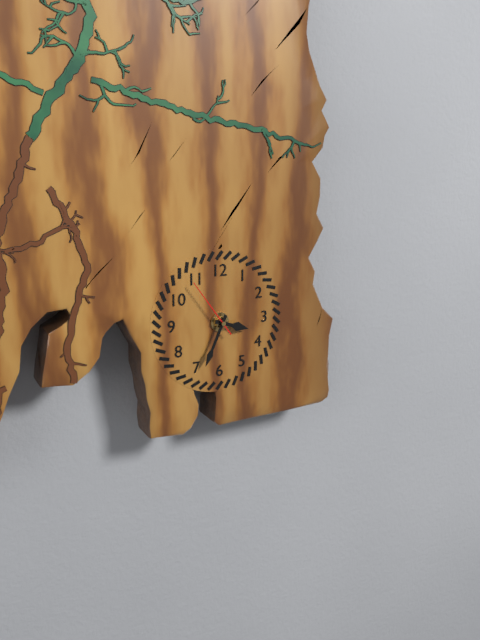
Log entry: 3:34:54
